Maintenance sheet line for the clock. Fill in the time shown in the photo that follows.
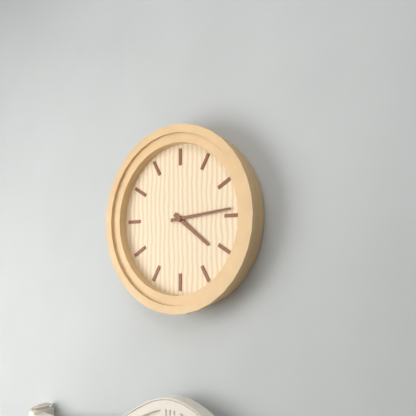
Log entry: 4:14
